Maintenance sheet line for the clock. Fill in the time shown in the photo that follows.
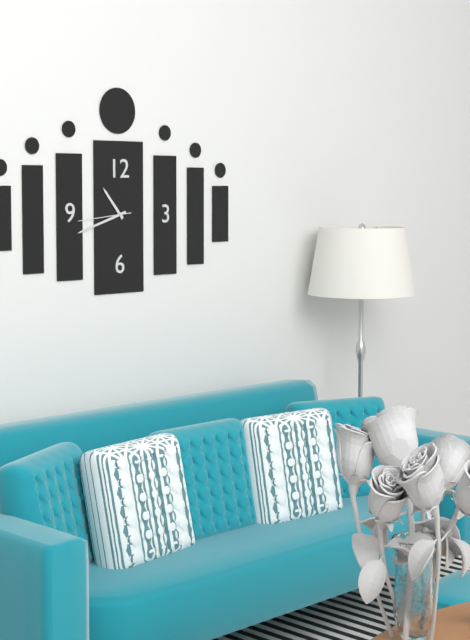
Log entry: 10:42:44
